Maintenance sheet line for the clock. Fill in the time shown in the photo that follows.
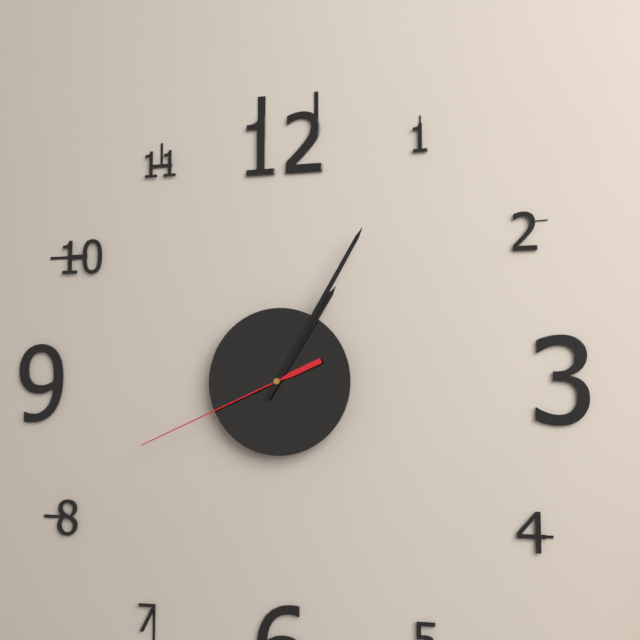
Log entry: 1:05:41
